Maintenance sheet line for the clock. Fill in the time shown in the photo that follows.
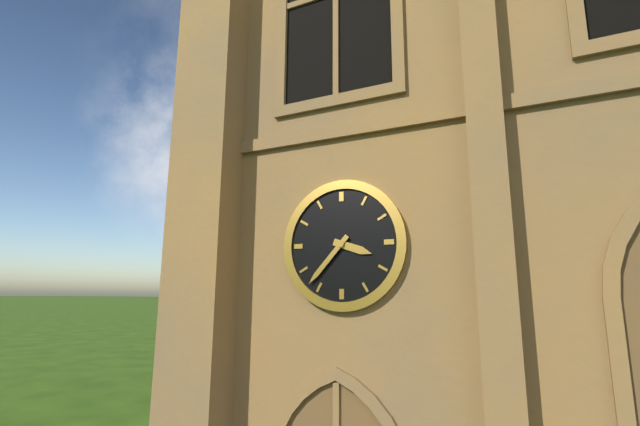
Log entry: 3:37
